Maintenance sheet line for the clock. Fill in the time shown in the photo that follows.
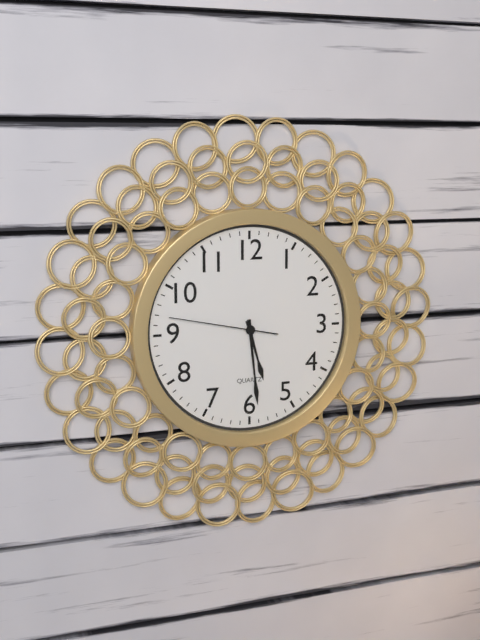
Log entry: 5:29:47
